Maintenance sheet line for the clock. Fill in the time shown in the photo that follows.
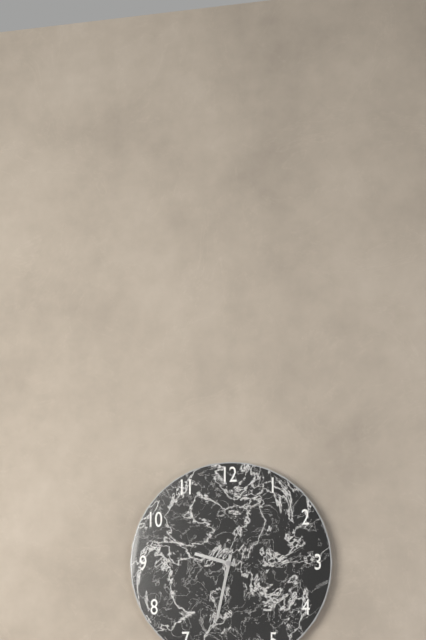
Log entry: 9:32
